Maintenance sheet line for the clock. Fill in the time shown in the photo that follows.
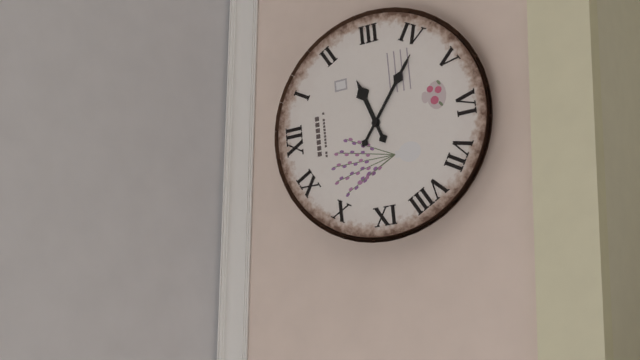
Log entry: 2:21
